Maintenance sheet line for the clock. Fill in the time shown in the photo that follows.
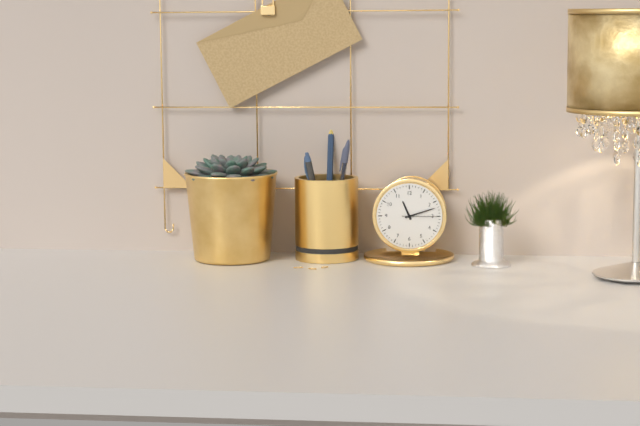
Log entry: 11:12
